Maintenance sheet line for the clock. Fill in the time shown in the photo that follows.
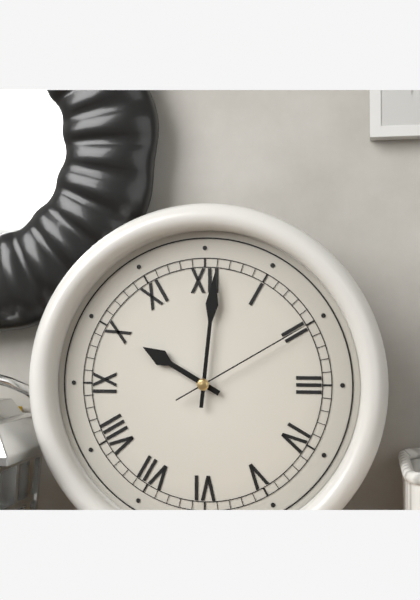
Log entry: 10:01:10
